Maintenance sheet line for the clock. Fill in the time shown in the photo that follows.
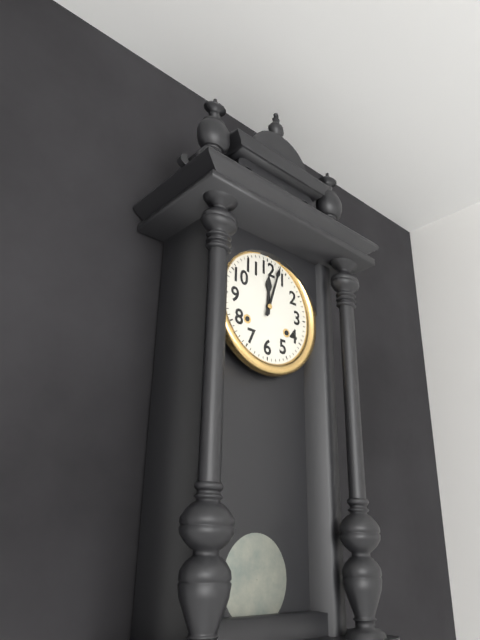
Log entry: 12:03
